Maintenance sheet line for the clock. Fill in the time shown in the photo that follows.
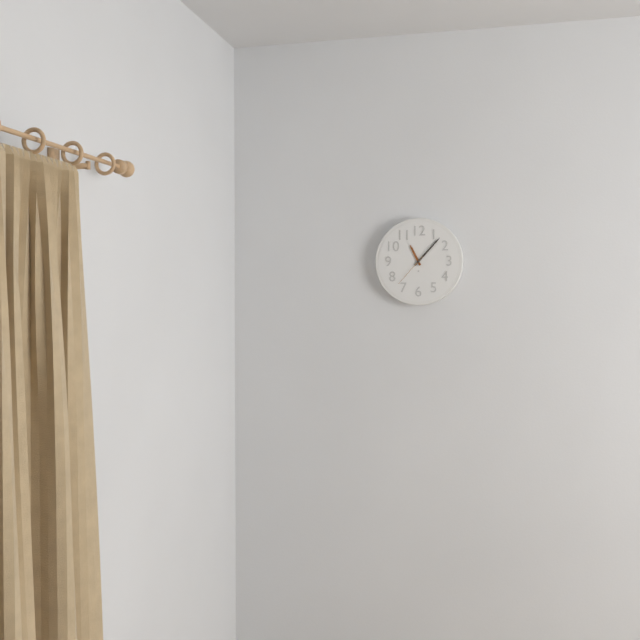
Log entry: 11:07
